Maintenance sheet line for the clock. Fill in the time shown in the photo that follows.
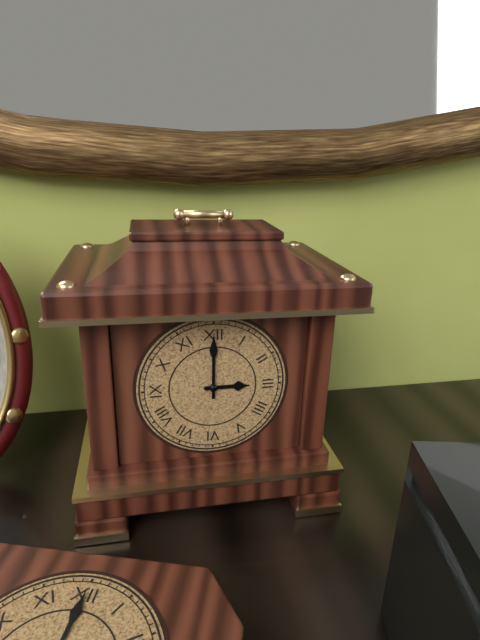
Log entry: 3:00
